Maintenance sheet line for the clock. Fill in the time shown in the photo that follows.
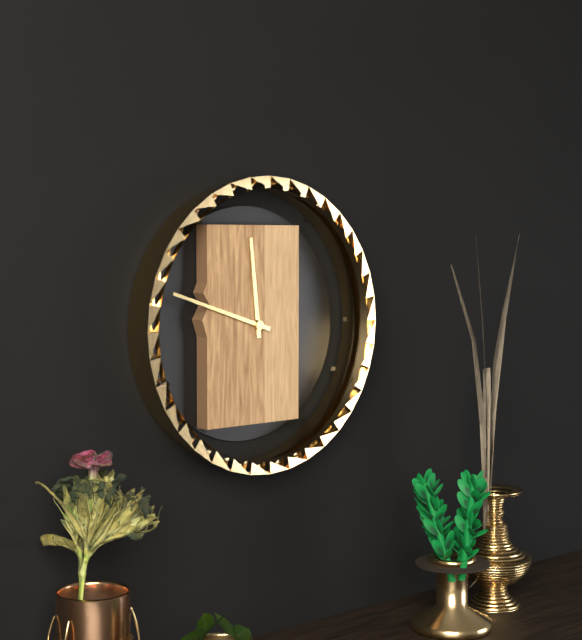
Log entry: 11:48
